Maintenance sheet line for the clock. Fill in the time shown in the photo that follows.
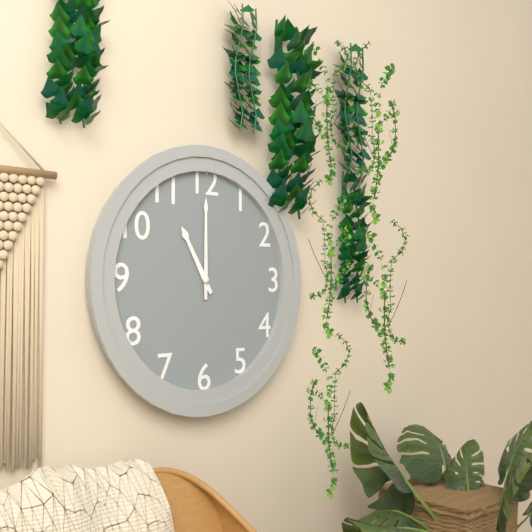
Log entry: 11:00
